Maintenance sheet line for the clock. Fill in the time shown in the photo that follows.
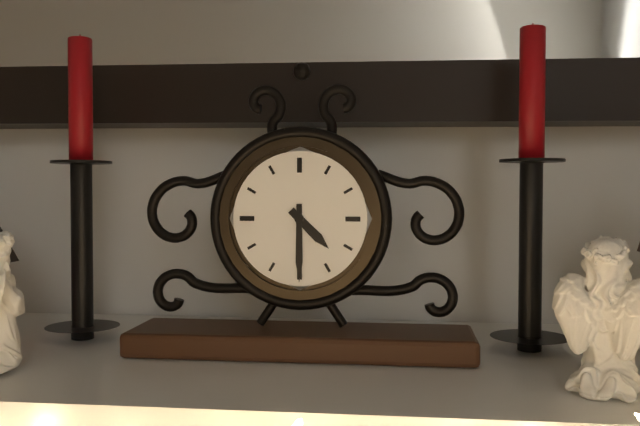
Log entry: 4:30
